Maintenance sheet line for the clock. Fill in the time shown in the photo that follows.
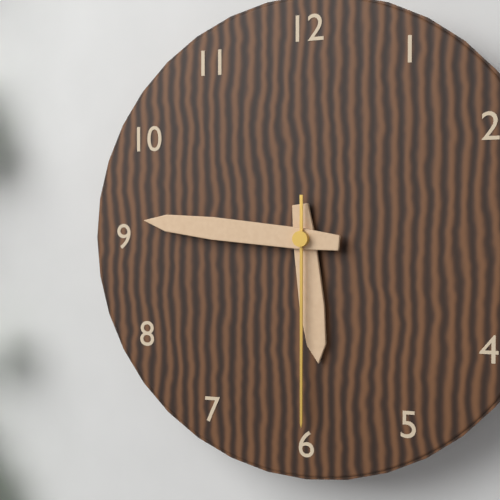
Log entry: 5:46:30
